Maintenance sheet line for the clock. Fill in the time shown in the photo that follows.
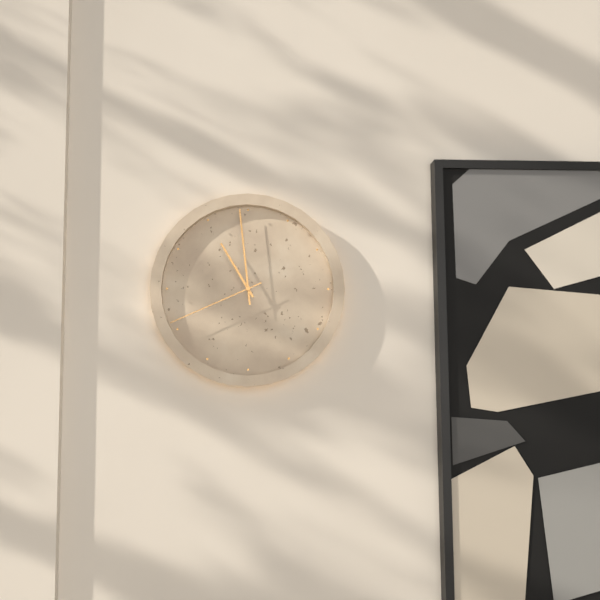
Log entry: 10:59:41
